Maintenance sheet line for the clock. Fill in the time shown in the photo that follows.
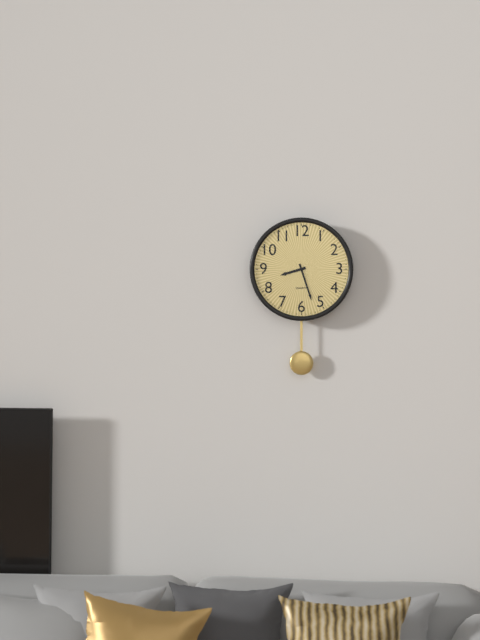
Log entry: 8:27
